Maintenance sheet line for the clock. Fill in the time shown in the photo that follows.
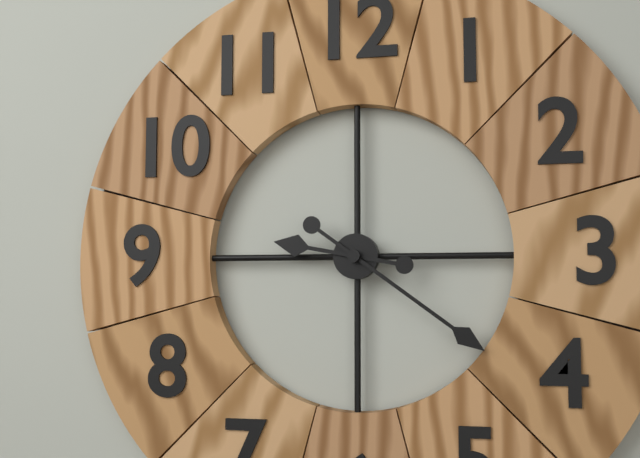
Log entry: 9:21
